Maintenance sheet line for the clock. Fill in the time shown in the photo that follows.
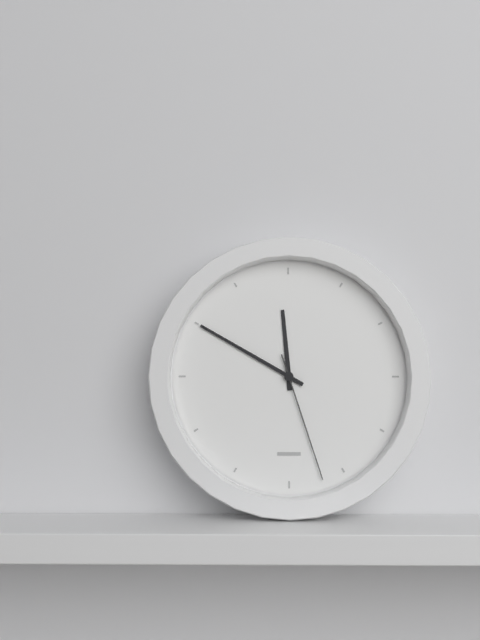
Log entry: 11:50:27
